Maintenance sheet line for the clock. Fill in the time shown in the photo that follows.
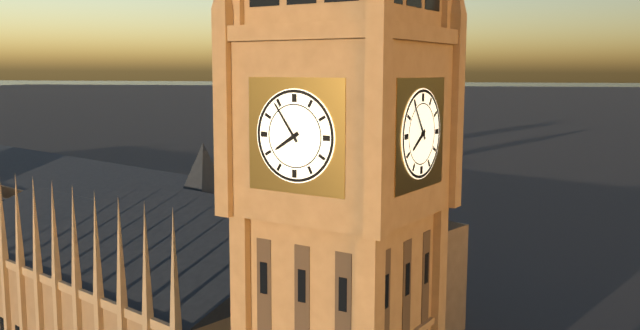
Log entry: 7:54
